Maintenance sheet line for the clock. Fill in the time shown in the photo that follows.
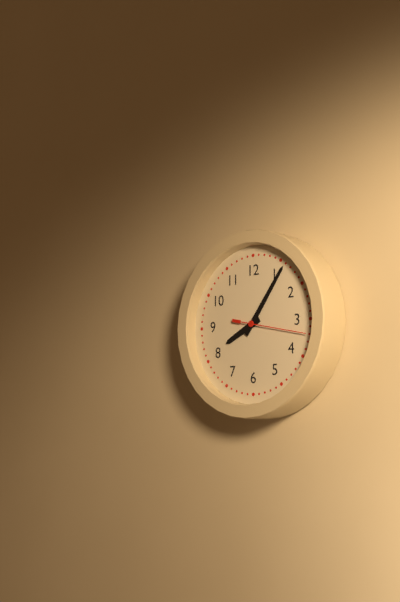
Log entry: 8:06:17
